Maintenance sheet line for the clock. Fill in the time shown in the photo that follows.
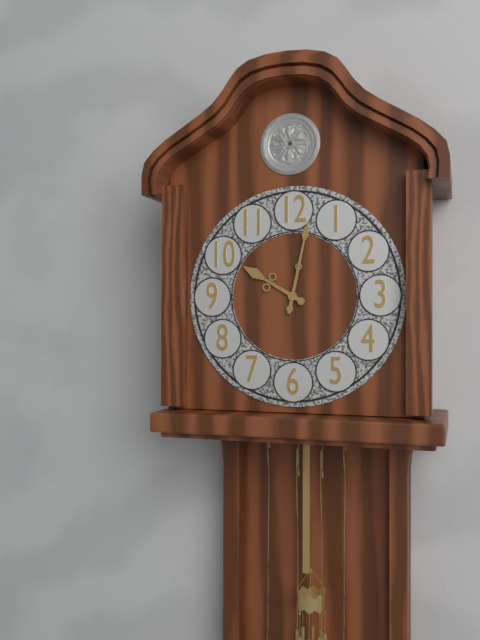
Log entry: 10:02
